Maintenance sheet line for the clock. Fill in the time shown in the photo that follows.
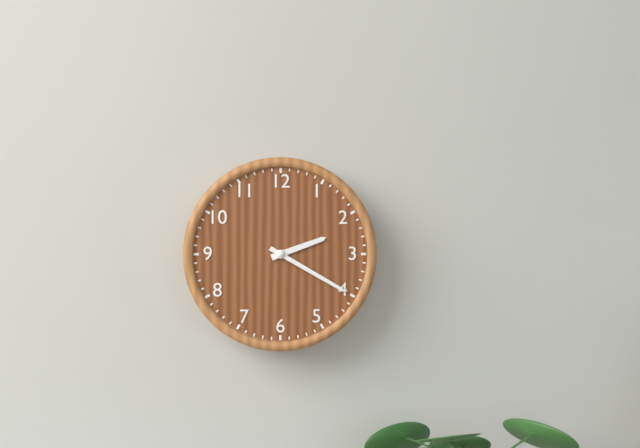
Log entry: 2:20
